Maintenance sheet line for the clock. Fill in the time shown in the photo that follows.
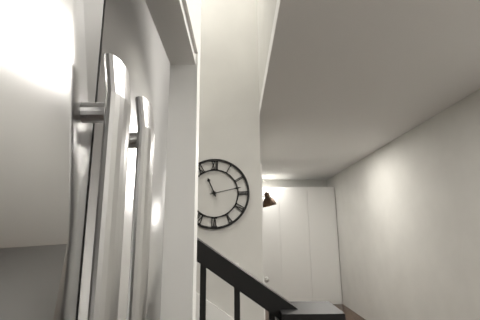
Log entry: 11:13
